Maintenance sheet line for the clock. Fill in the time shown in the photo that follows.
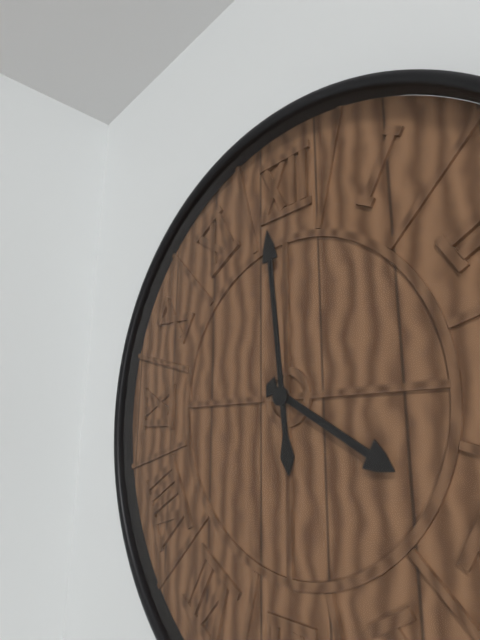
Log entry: 3:59
